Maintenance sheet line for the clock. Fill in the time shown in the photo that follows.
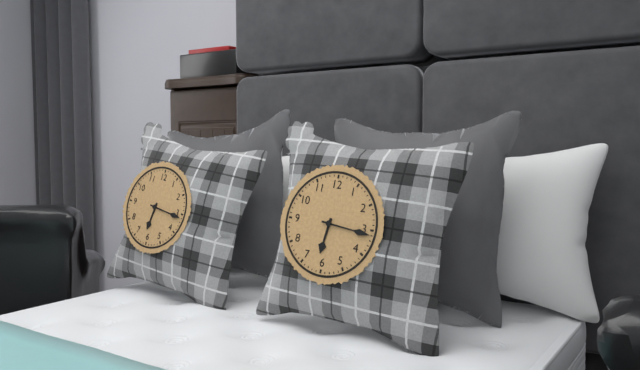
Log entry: 6:16
